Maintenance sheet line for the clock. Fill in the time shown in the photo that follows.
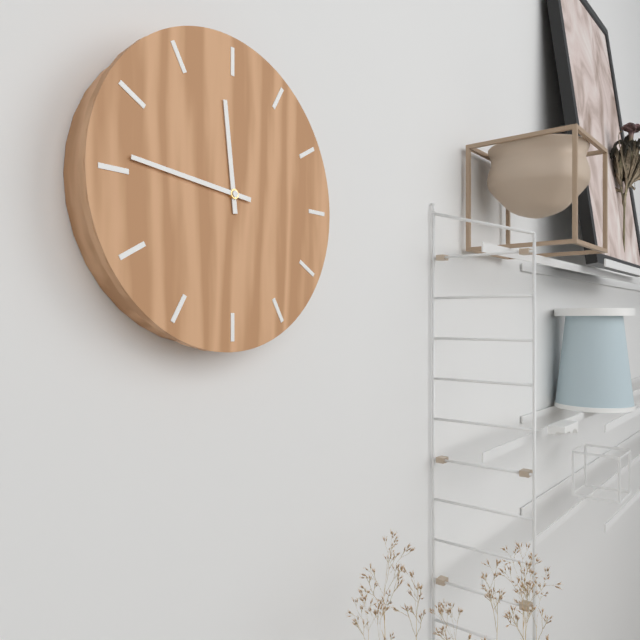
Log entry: 11:46
